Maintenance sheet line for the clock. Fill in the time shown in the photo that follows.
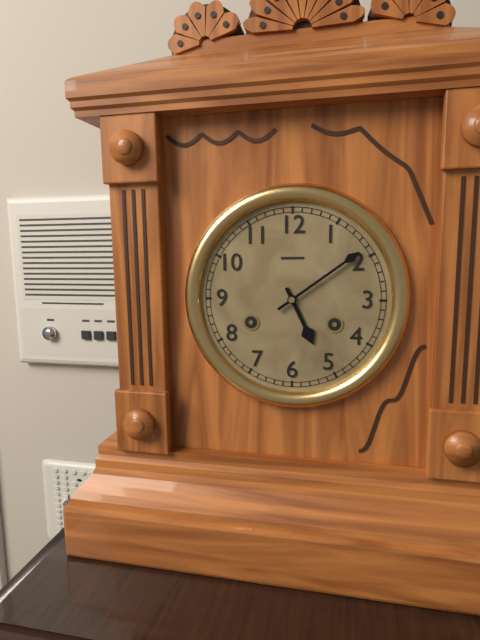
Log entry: 5:09
